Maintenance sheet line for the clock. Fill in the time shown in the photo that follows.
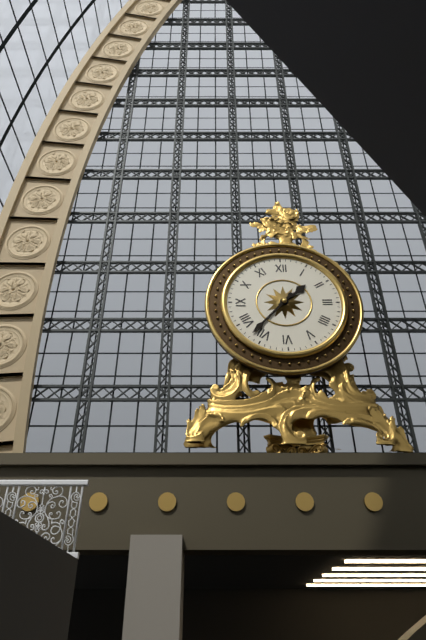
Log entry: 1:37
